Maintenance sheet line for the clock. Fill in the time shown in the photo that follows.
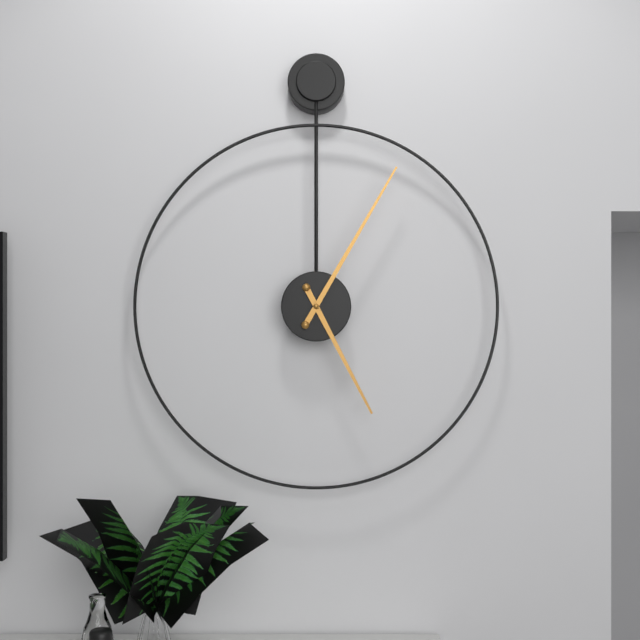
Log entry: 5:05
